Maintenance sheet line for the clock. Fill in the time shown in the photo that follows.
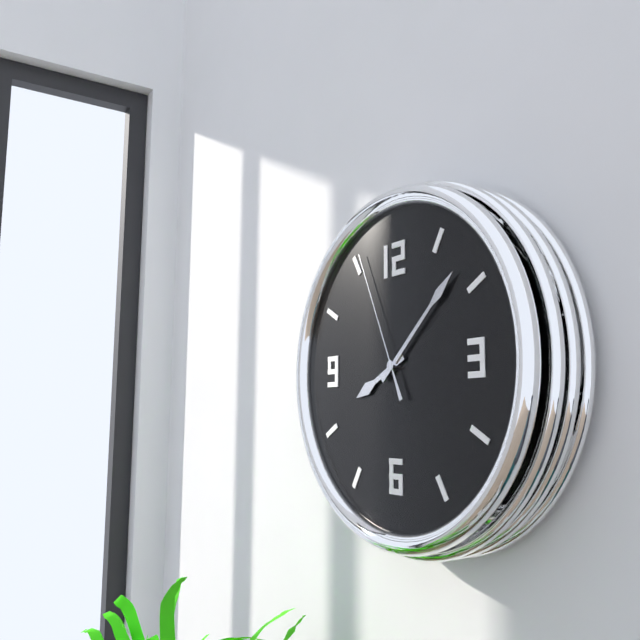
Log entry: 8:08:56
